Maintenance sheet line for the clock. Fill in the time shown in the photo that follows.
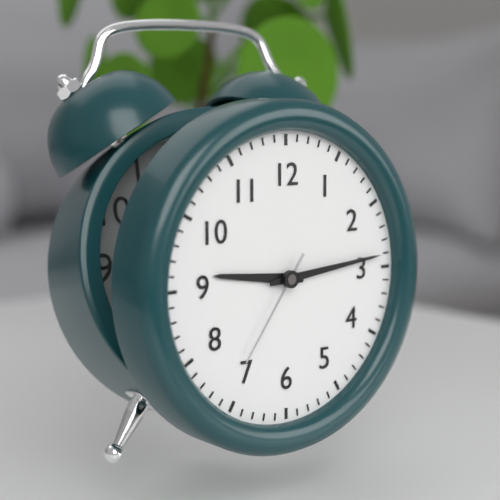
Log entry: 9:14:36
